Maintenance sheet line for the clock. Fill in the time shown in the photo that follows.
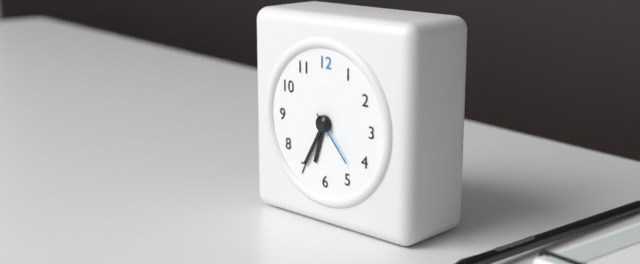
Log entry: 6:35:23
